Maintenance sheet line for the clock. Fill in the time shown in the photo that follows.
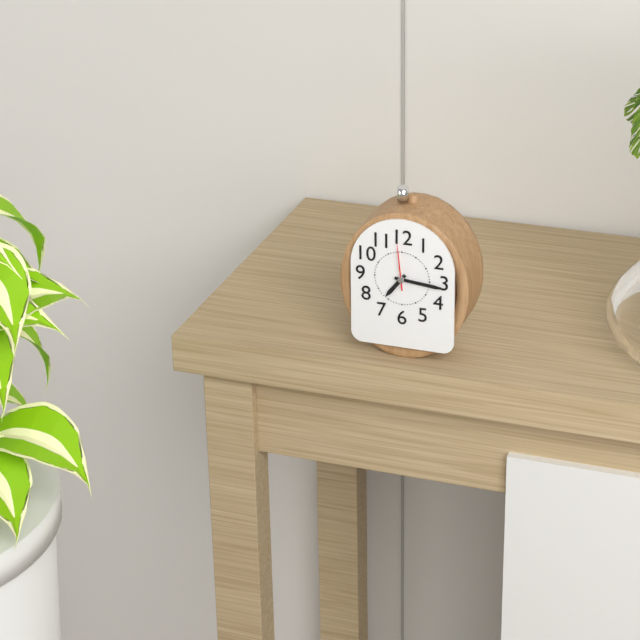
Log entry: 7:16
